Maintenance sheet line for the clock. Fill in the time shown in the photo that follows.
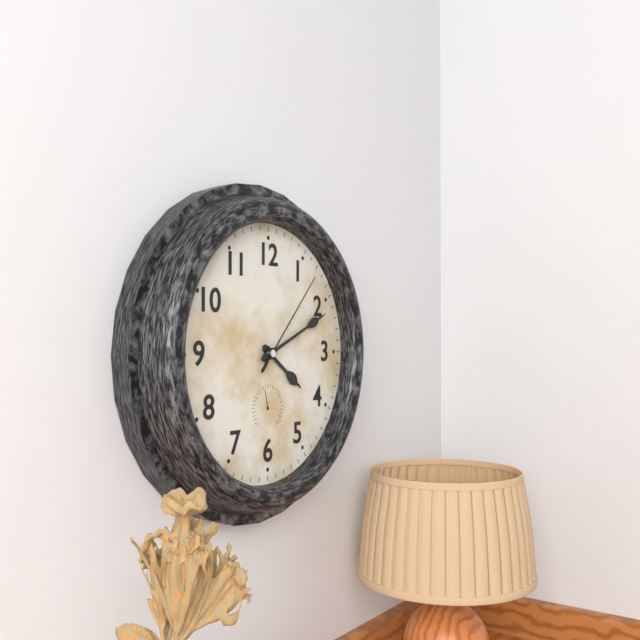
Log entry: 4:11:07
